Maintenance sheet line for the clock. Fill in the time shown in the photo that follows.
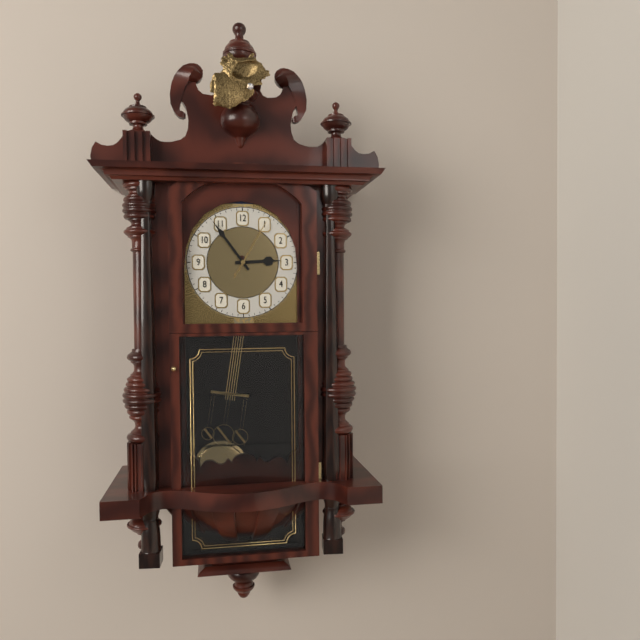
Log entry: 2:54:05
